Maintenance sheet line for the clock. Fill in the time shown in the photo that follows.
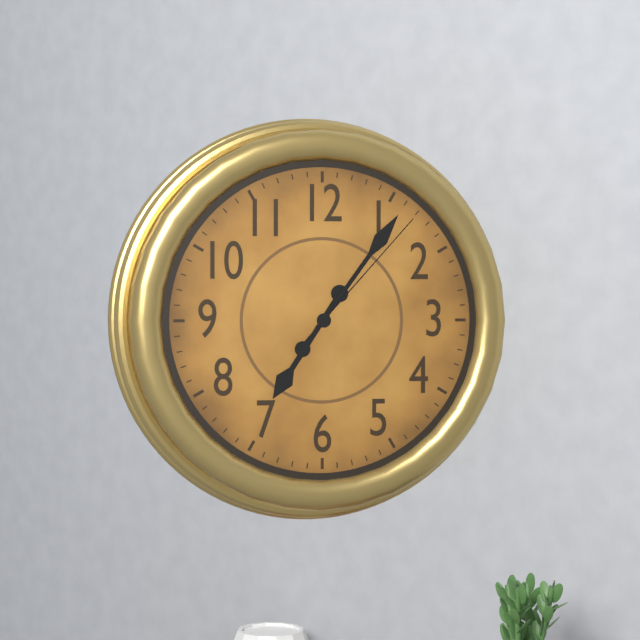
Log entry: 7:06:07
